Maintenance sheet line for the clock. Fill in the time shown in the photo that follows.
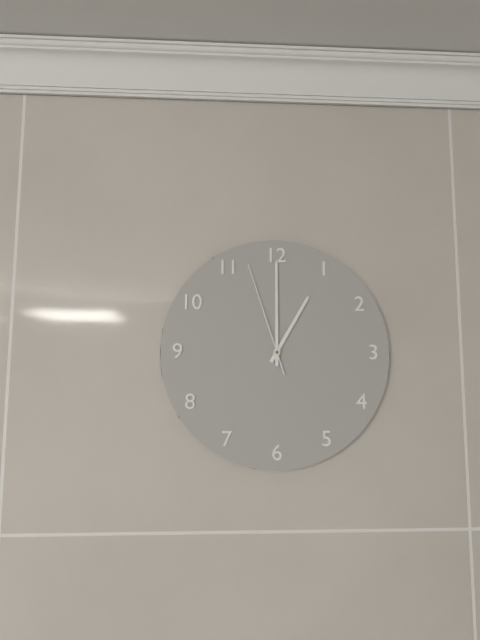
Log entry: 1:00:57
